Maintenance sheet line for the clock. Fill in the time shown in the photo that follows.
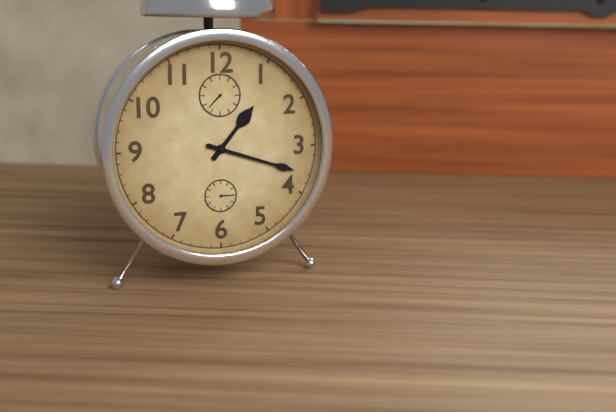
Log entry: 1:18
